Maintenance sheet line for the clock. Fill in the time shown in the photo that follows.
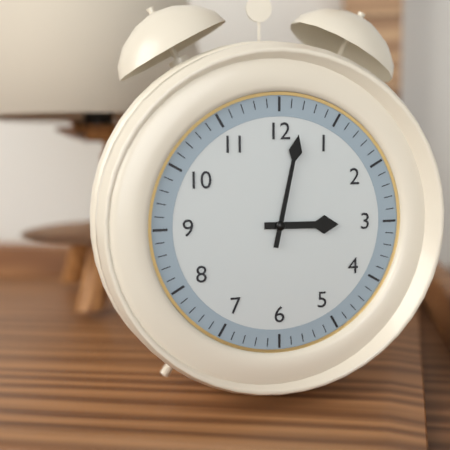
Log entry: 3:02
